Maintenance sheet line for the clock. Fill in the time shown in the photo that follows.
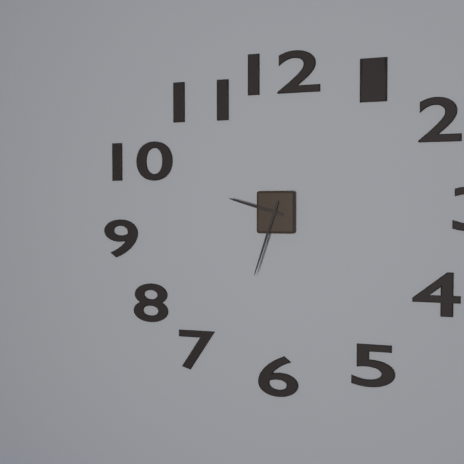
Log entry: 9:33
